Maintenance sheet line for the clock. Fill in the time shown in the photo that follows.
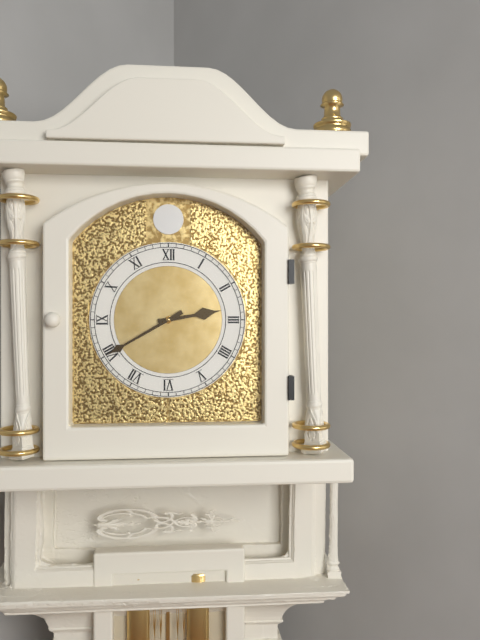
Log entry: 2:40
